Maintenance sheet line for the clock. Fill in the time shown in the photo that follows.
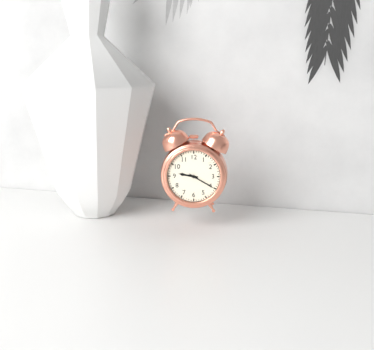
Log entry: 9:20
